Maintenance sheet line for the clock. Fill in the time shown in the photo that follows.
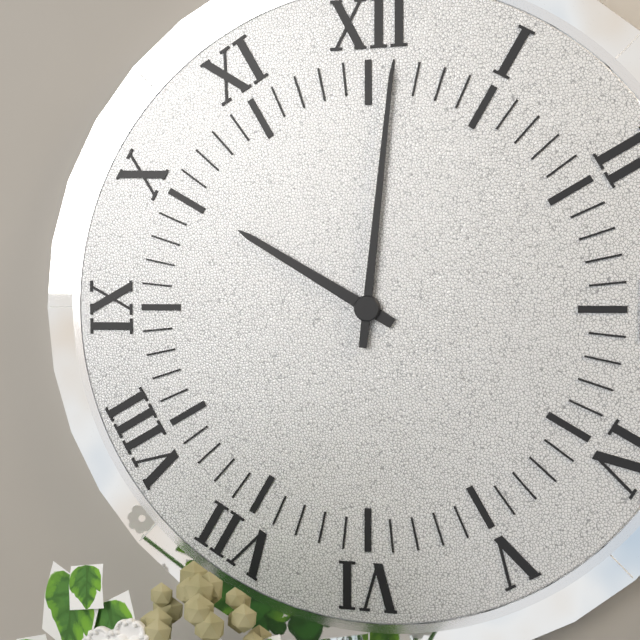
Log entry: 10:01
